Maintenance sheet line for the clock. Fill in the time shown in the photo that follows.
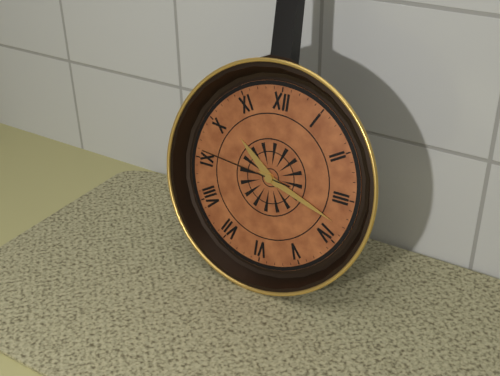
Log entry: 10:18:46
